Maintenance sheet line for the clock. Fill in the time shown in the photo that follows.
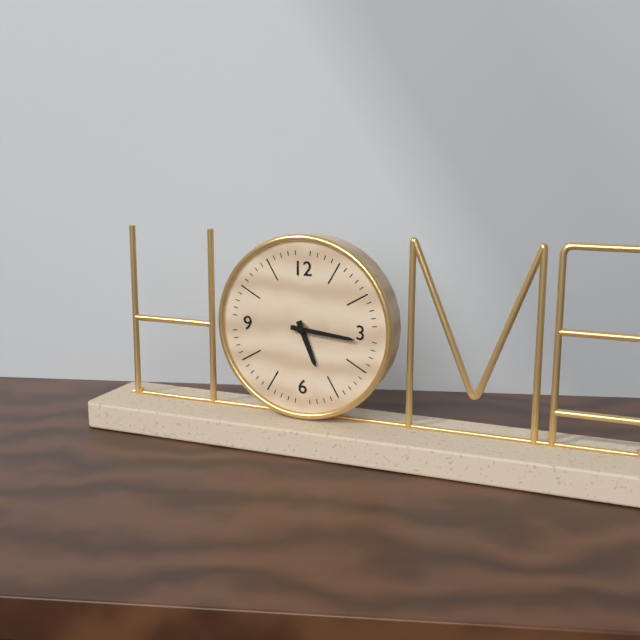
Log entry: 5:16
